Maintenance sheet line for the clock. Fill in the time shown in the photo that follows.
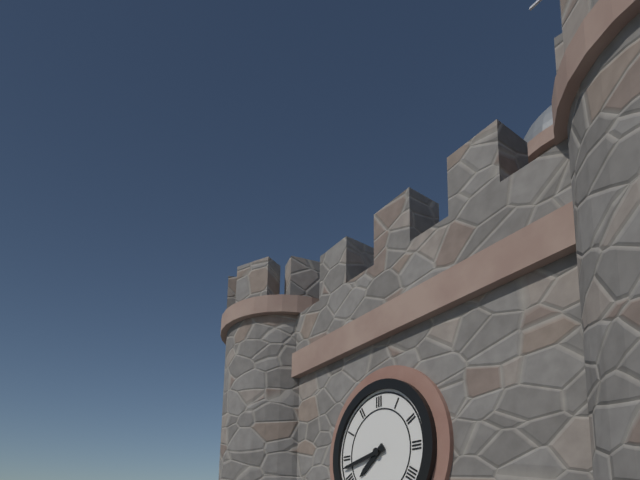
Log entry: 7:43
